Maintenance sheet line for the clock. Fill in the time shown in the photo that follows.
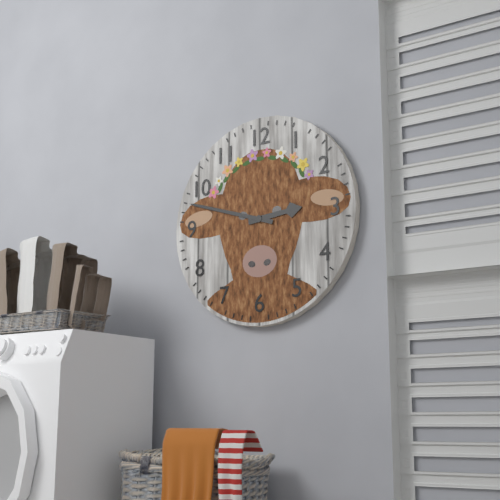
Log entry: 2:48
